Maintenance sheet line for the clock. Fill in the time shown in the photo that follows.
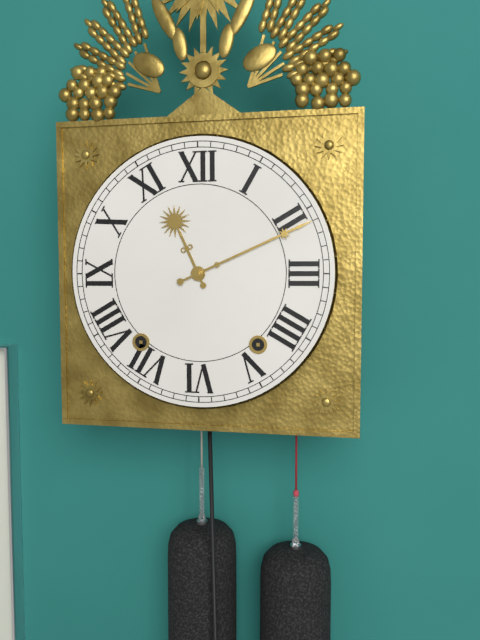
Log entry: 11:11
